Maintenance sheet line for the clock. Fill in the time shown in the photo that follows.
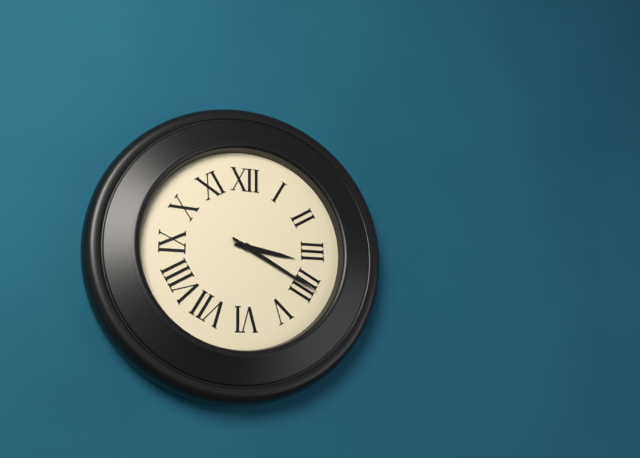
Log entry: 3:20
